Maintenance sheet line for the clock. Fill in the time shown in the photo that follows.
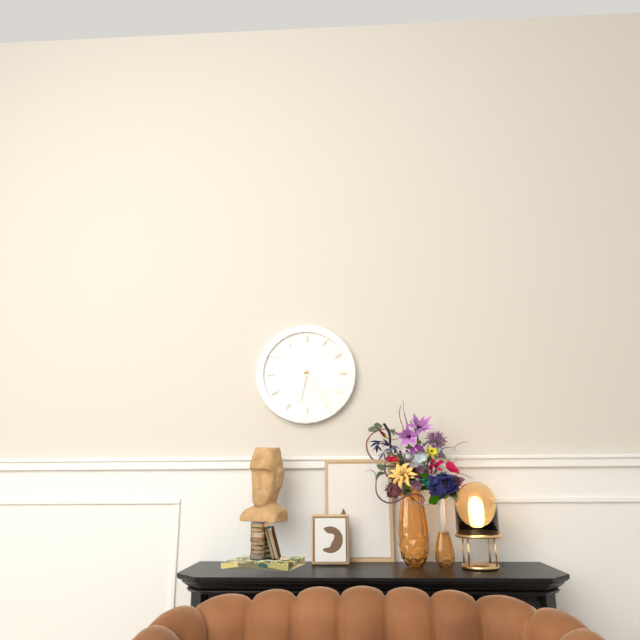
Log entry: 6:24
